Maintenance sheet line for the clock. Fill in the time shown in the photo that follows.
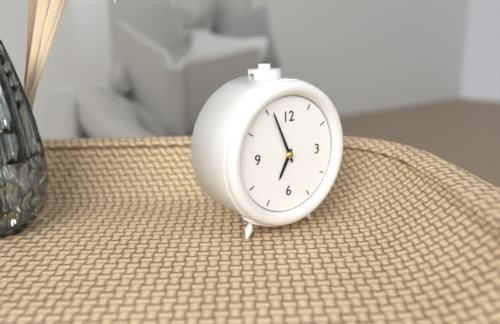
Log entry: 6:56
